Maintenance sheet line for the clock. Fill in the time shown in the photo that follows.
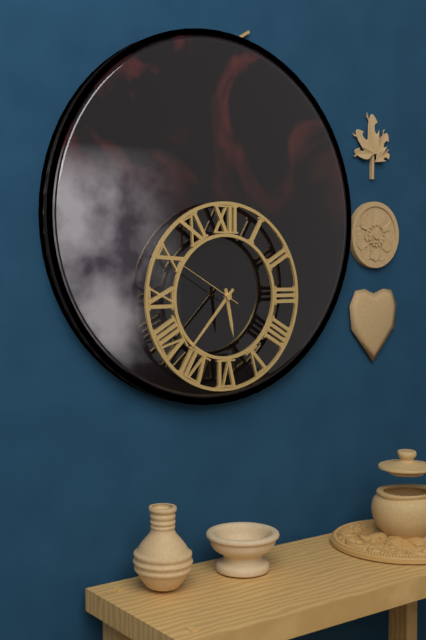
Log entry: 5:37:50
